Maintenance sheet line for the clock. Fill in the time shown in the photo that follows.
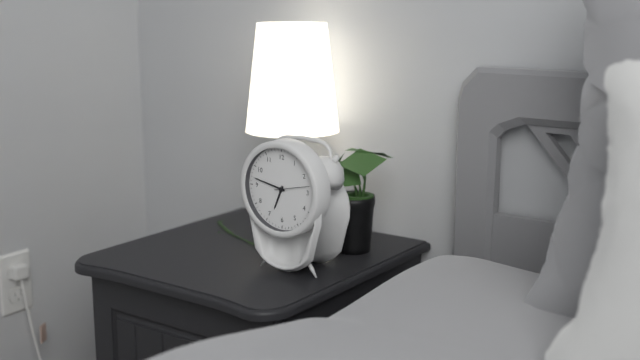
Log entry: 6:47
